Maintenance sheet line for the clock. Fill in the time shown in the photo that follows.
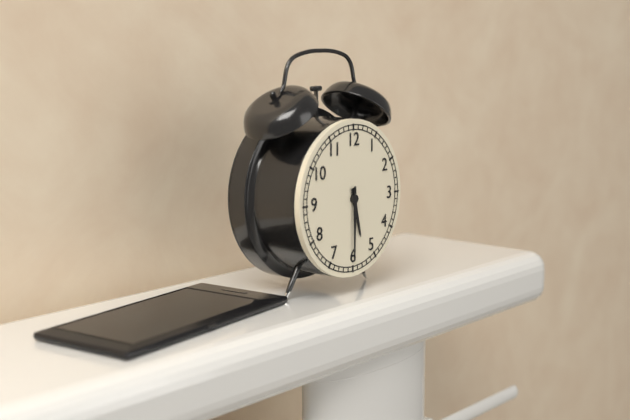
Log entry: 5:30
